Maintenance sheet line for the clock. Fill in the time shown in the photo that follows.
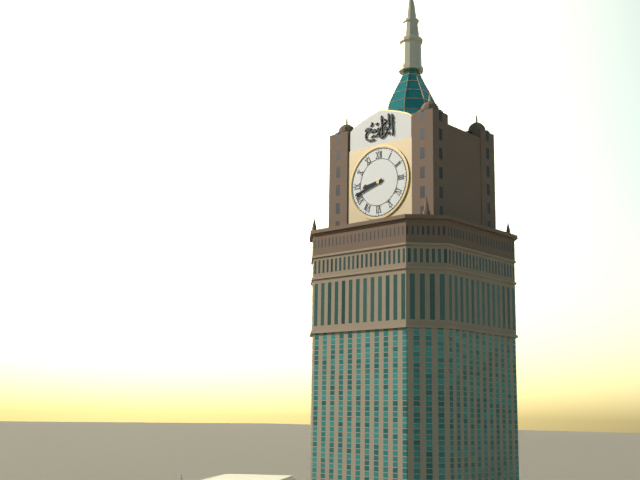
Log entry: 8:42
